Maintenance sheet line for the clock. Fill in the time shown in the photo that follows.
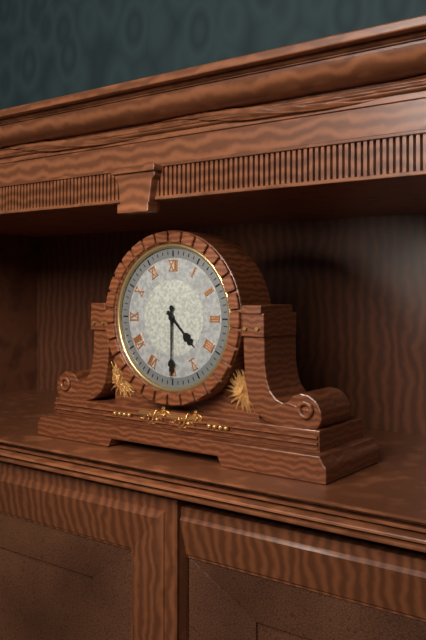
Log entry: 4:30
